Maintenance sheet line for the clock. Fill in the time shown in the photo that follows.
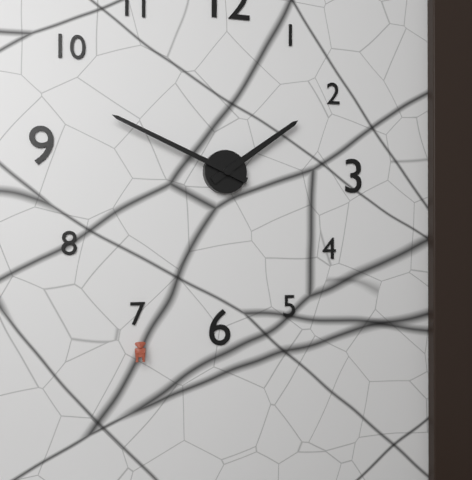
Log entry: 1:49
